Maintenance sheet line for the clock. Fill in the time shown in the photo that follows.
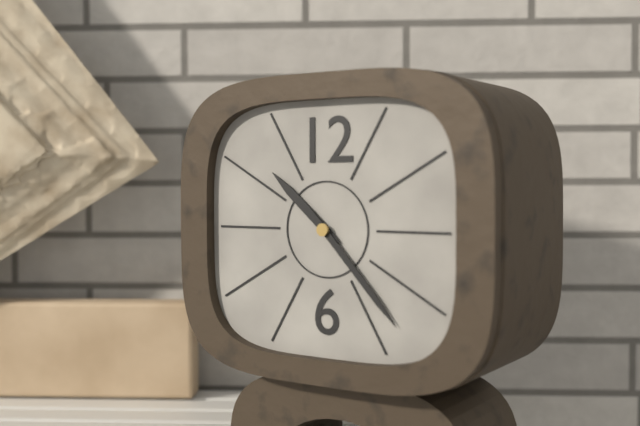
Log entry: 10:23
